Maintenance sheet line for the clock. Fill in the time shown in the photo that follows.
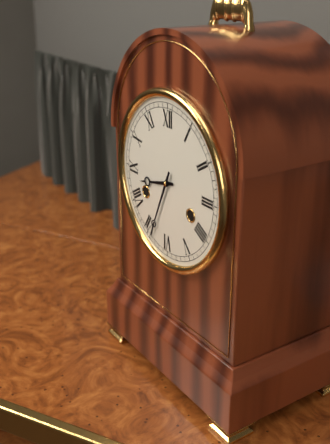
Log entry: 8:34
